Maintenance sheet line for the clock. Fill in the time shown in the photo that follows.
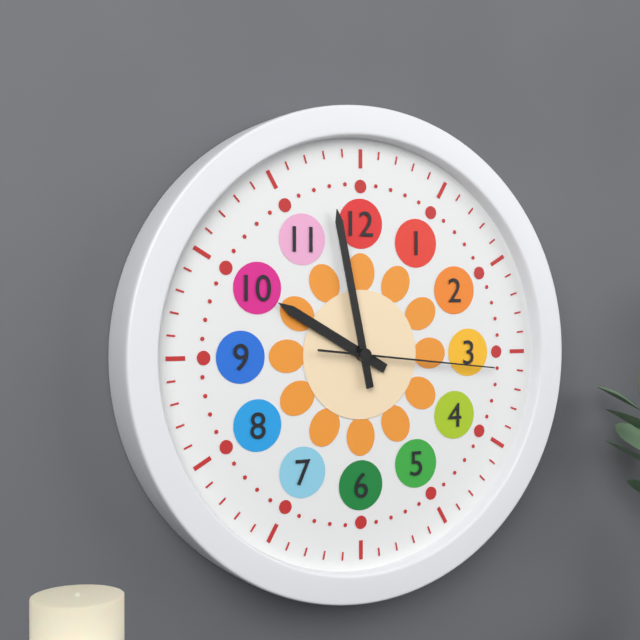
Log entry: 9:58:16
